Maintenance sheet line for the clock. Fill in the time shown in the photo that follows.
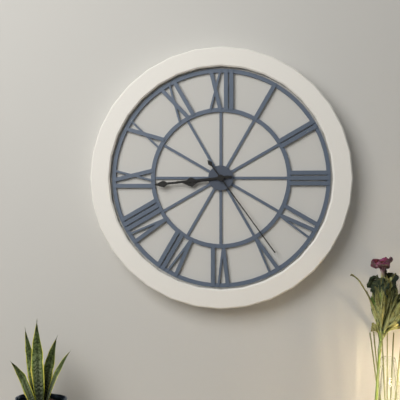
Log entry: 8:44:24
